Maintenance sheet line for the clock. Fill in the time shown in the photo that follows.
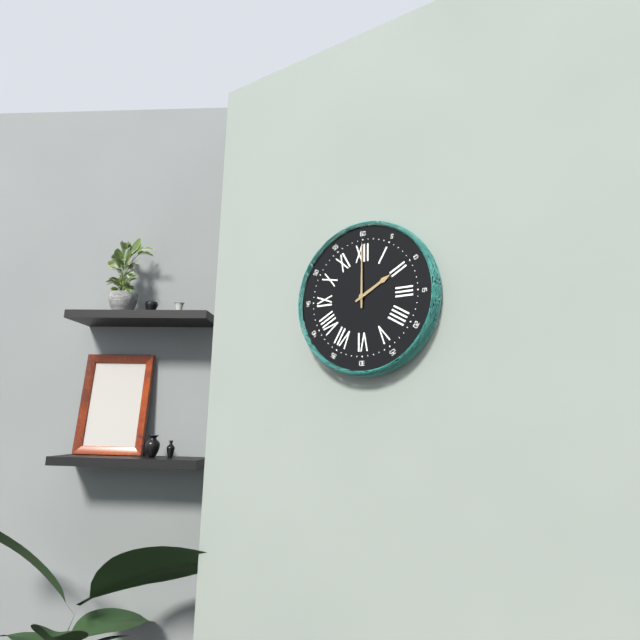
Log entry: 2:00
